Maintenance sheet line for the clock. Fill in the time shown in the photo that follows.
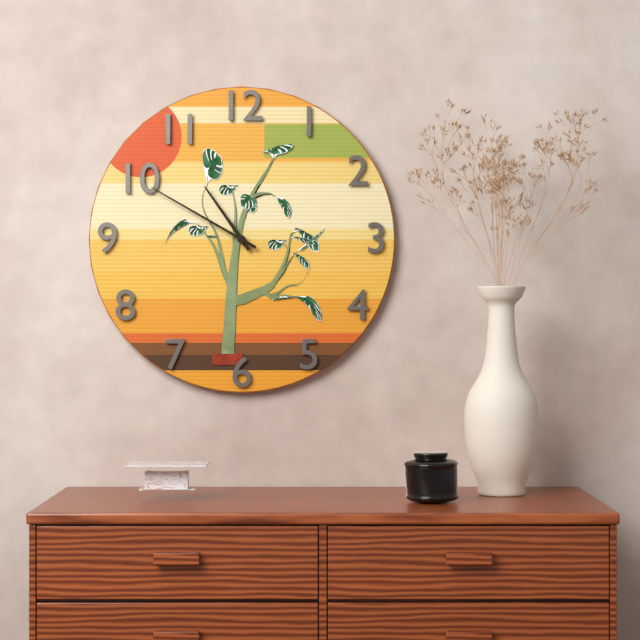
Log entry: 10:50
